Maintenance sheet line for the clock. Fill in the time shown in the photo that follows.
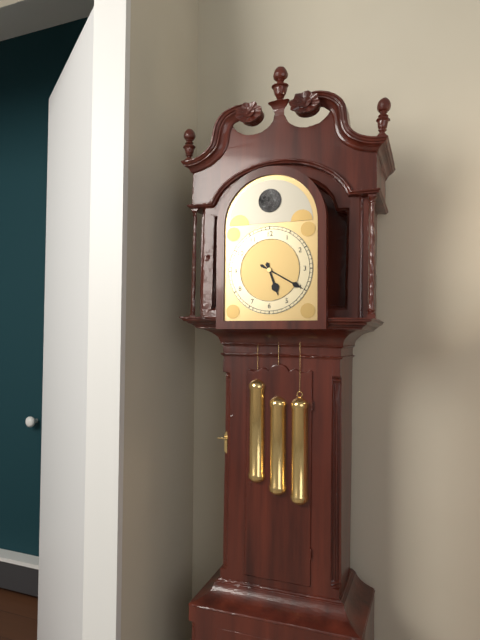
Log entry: 5:20
